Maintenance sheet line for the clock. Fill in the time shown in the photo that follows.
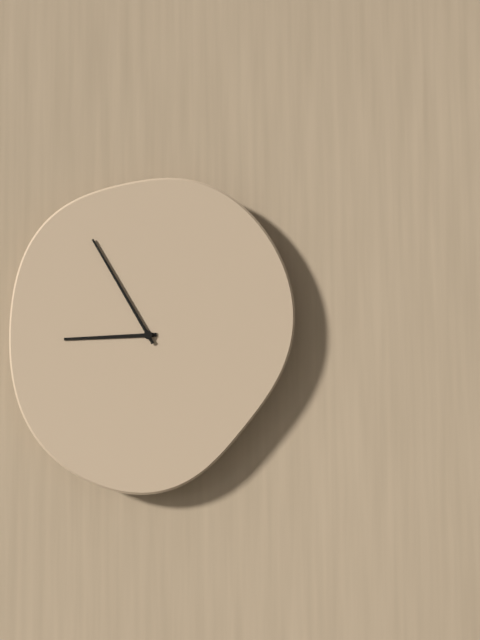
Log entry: 8:55
